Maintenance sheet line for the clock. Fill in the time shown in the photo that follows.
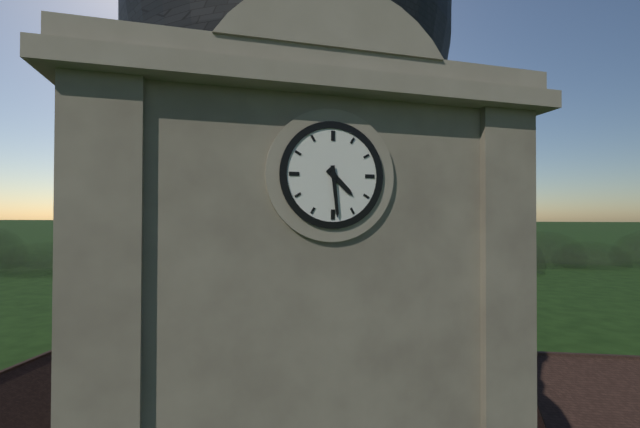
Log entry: 4:29
